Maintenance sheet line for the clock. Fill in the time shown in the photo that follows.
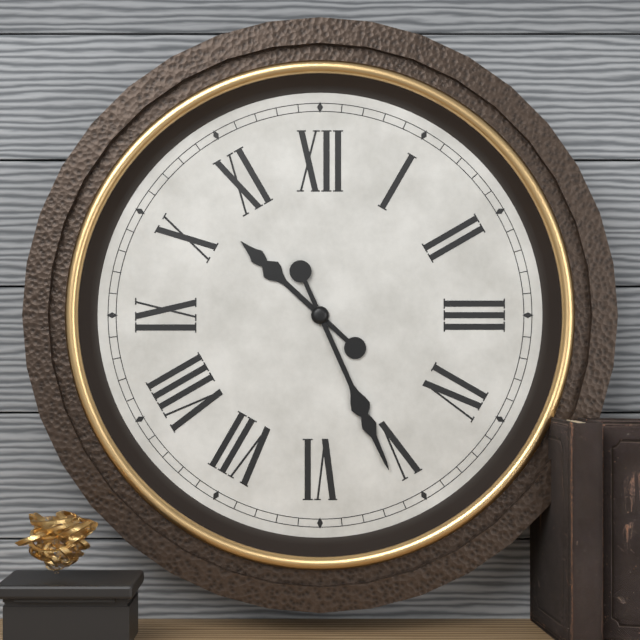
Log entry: 10:26
